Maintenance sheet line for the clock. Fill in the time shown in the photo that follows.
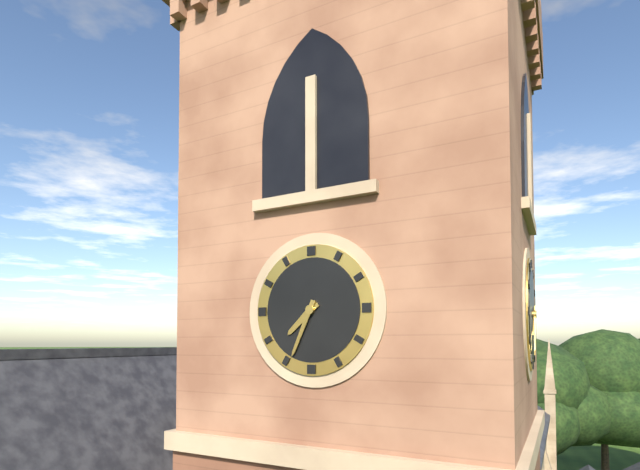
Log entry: 7:34
